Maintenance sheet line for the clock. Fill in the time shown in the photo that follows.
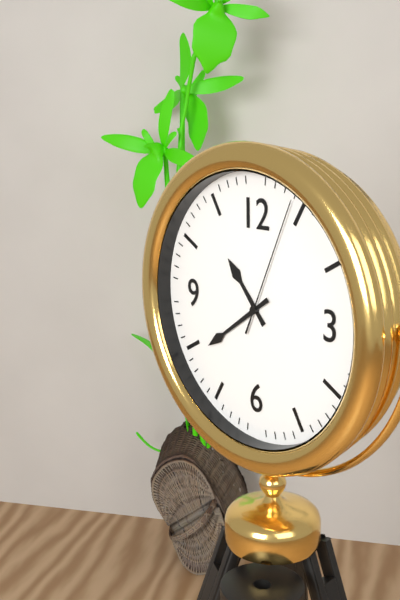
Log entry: 10:39:04
